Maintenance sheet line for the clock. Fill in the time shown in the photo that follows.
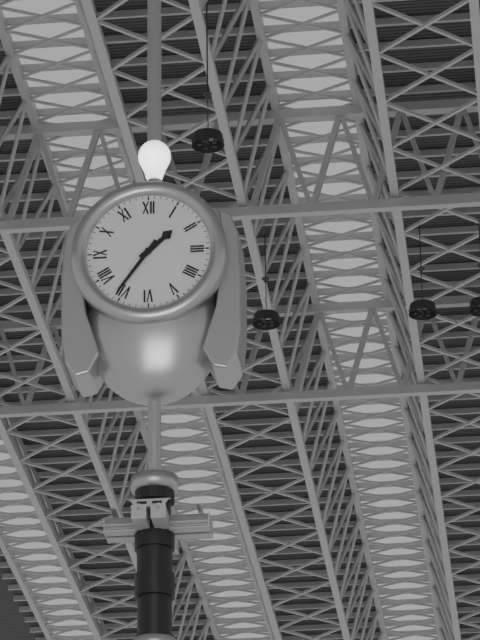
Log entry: 1:36
